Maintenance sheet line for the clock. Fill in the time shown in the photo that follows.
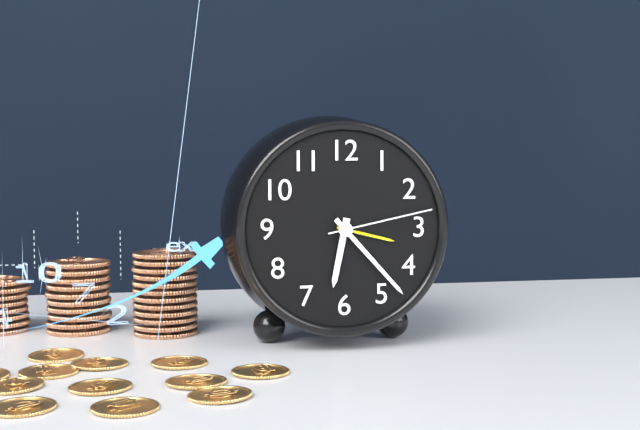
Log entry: 6:23:13
